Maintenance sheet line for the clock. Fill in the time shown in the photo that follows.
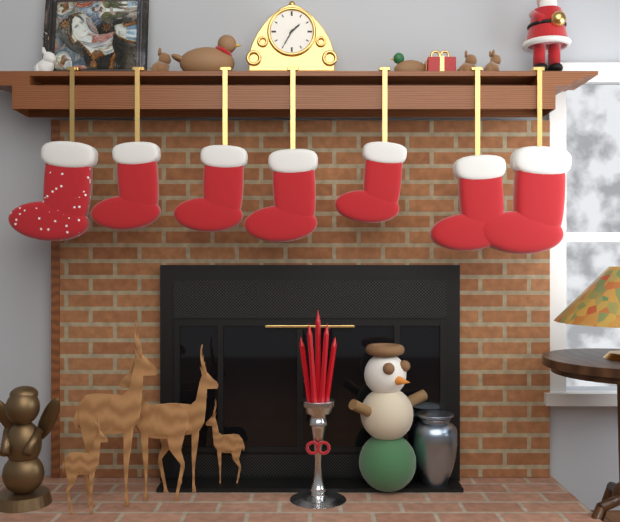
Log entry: 1:35
